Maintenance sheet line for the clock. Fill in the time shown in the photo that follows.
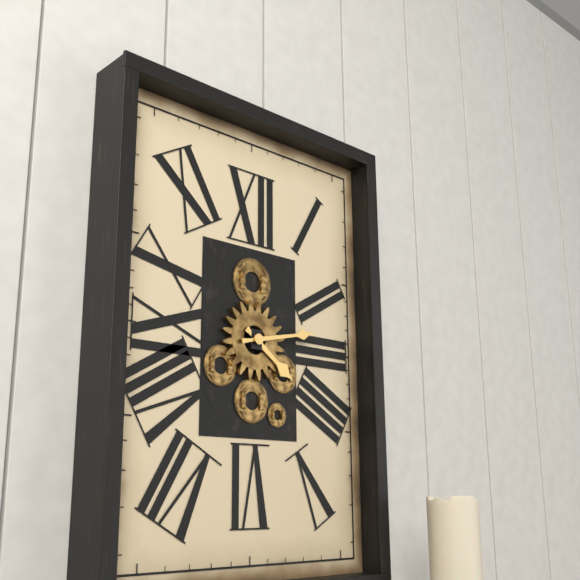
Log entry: 4:13
